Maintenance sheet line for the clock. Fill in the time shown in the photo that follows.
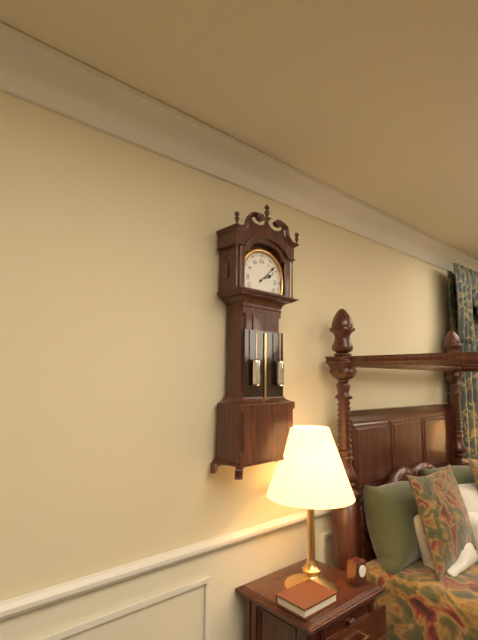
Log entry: 2:08
